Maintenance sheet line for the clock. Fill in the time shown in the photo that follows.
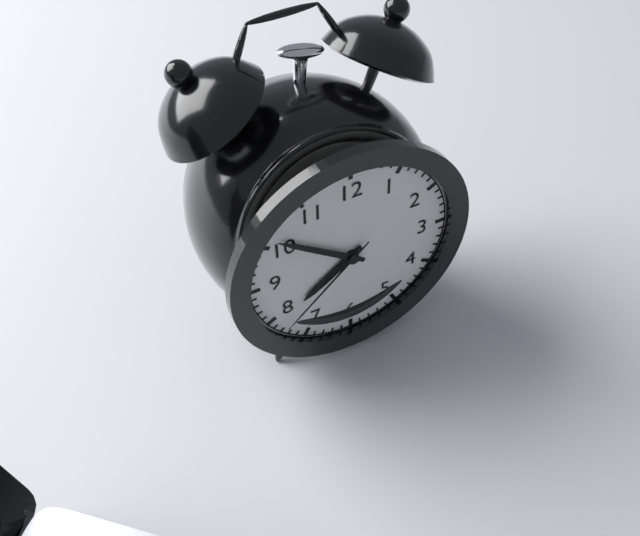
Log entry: 7:51:38
